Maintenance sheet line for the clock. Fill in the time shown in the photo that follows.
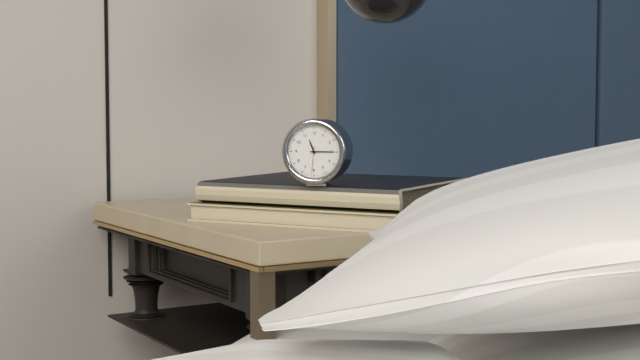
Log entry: 11:15
